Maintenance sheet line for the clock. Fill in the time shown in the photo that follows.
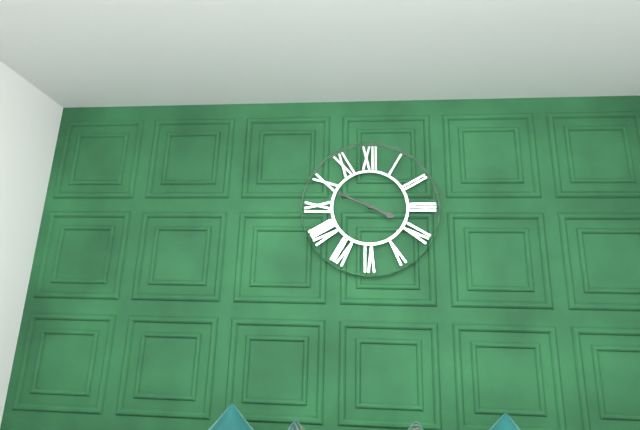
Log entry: 3:49
